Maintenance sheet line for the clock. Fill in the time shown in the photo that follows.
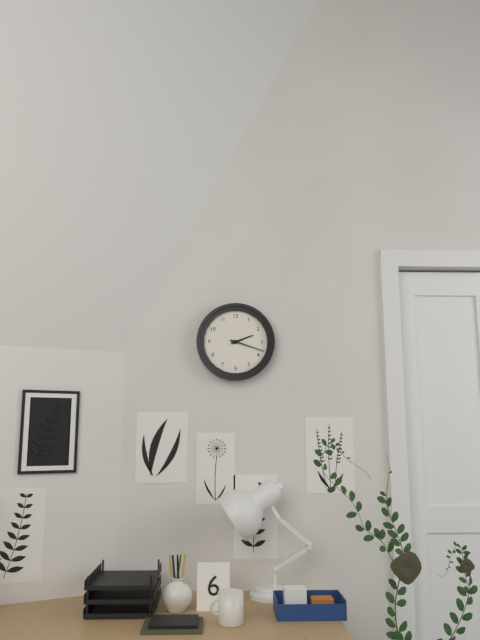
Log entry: 2:18
